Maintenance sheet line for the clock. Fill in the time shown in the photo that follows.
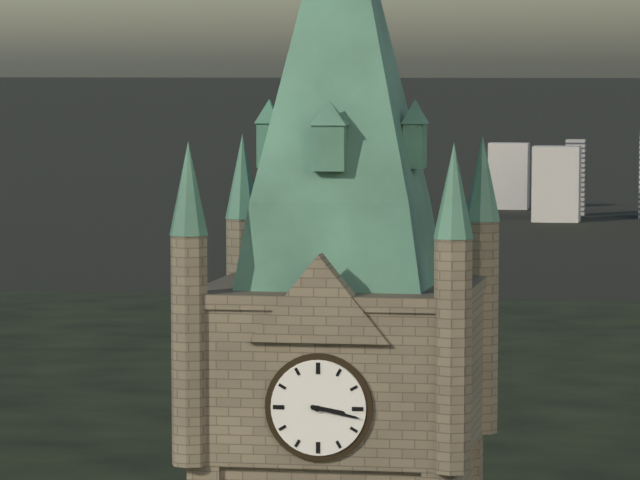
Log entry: 3:17
